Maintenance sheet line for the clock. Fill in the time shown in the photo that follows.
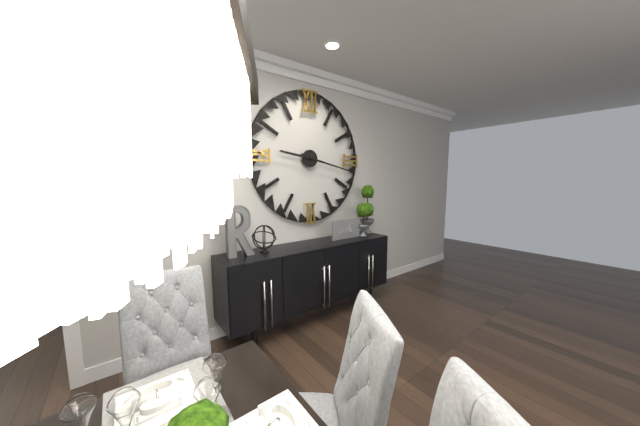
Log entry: 9:17
